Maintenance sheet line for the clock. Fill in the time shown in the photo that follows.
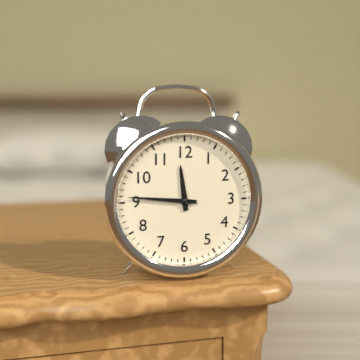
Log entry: 11:46
